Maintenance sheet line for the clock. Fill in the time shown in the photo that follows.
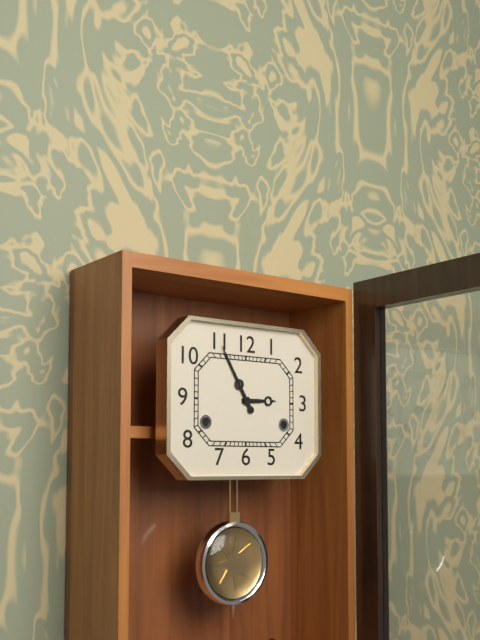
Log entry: 2:55
